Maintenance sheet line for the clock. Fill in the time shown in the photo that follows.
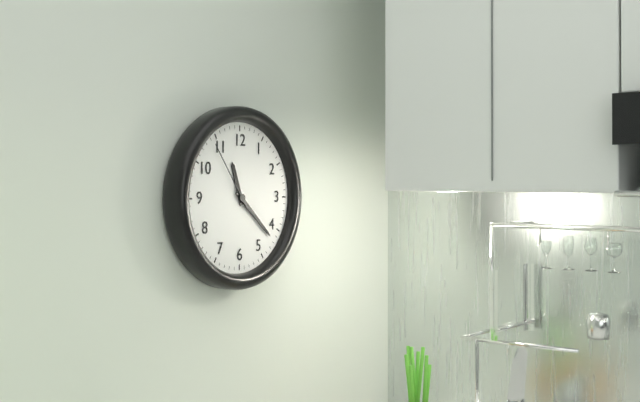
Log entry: 11:22:54
